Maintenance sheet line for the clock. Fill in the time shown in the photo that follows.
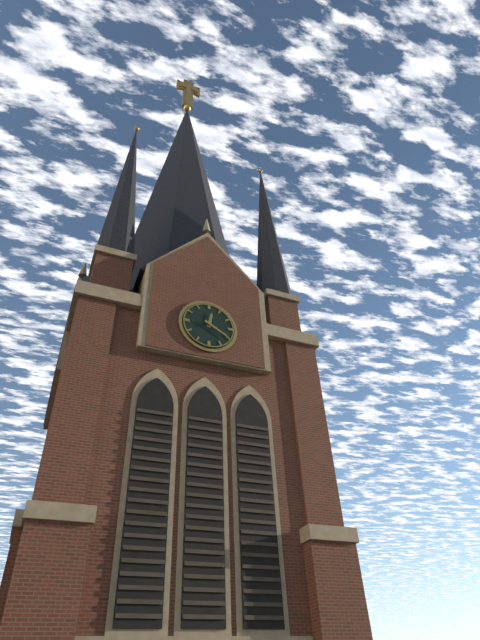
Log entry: 12:20
